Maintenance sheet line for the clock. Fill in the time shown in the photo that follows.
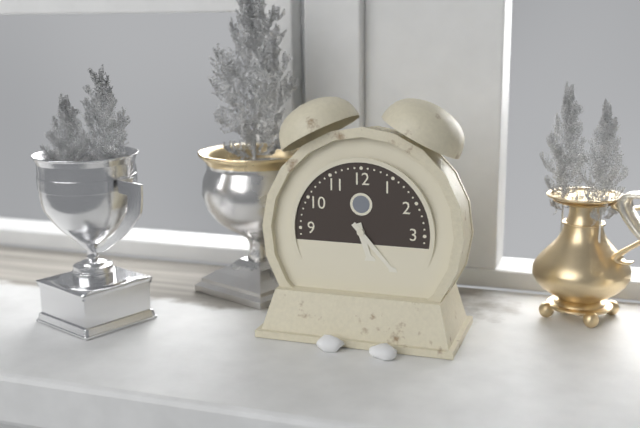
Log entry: 5:23
